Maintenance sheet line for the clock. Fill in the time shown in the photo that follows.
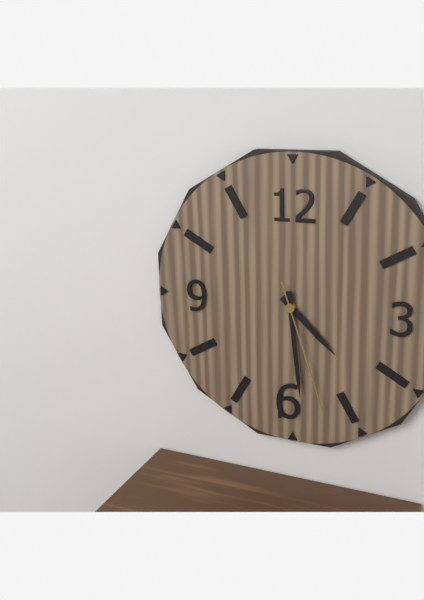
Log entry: 4:29:27
